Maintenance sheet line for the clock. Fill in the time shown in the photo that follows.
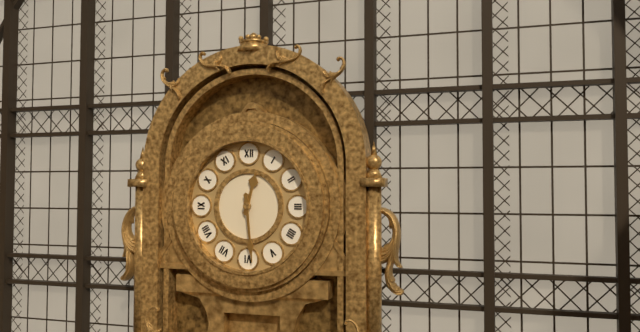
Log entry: 12:29
